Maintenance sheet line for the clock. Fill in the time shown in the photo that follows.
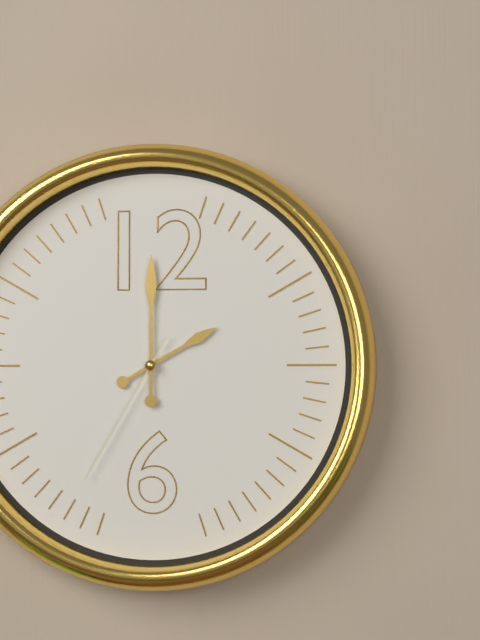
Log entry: 2:00:35
